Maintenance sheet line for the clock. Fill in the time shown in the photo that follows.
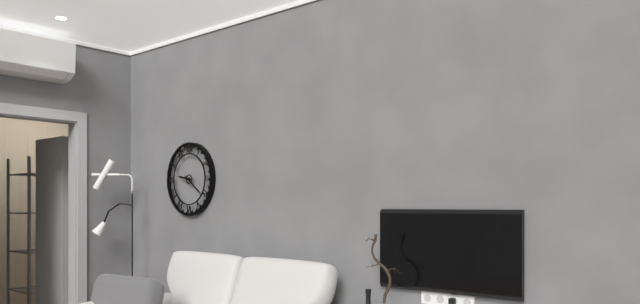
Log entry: 9:21
